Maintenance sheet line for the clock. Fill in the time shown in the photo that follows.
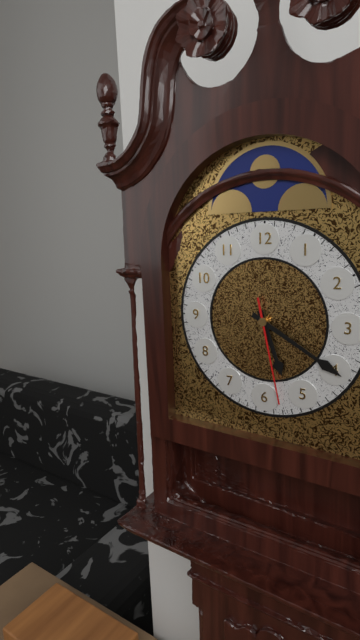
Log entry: 5:20:28
